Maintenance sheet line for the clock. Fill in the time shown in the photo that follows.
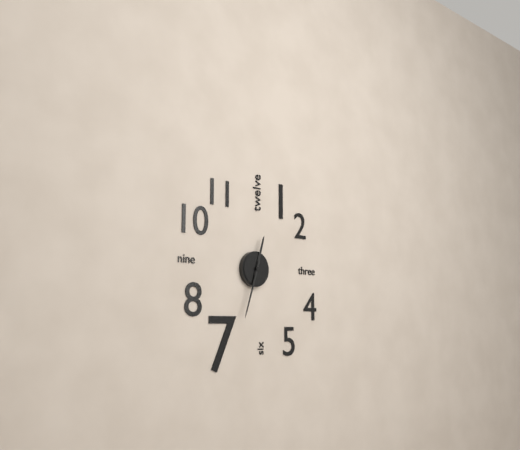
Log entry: 12:33
